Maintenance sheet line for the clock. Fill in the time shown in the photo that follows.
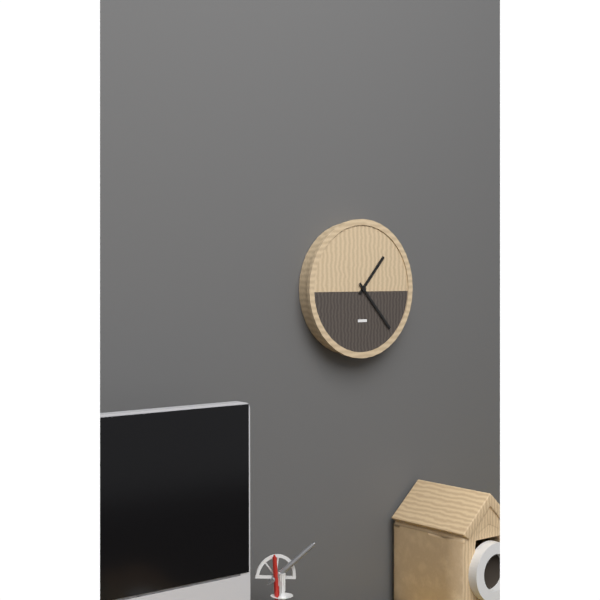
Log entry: 1:23
